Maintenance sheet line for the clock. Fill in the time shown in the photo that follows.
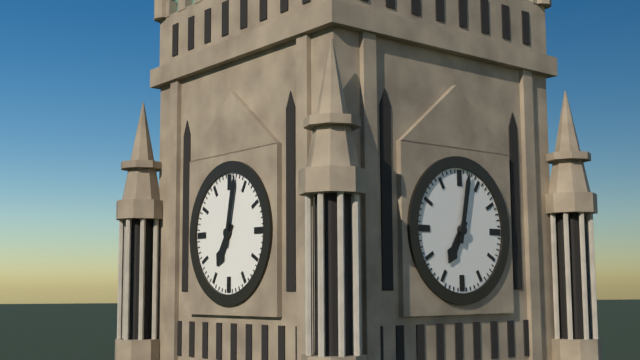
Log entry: 7:02
